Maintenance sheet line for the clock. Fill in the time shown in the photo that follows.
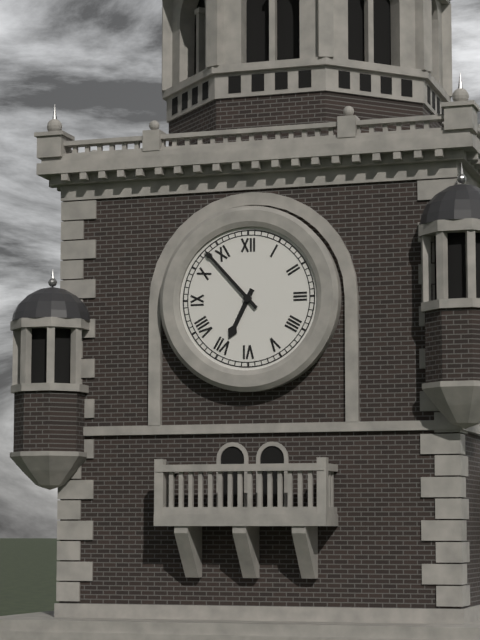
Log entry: 6:53
